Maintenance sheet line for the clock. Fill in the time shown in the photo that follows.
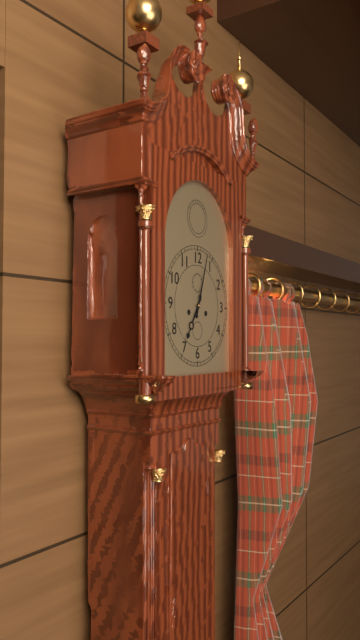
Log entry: 7:03
